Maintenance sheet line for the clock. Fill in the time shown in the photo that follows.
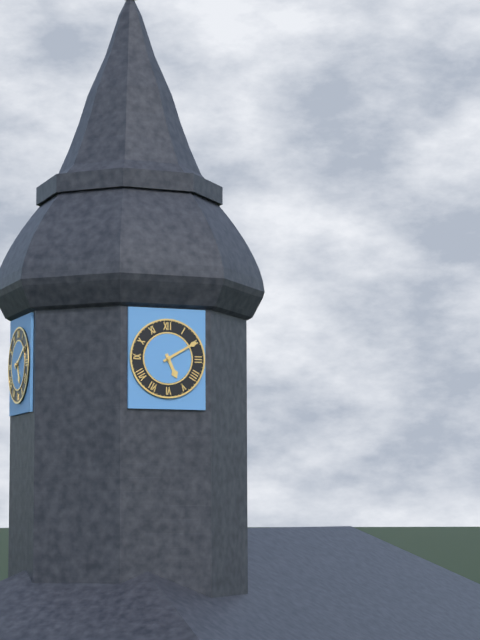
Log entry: 5:10
